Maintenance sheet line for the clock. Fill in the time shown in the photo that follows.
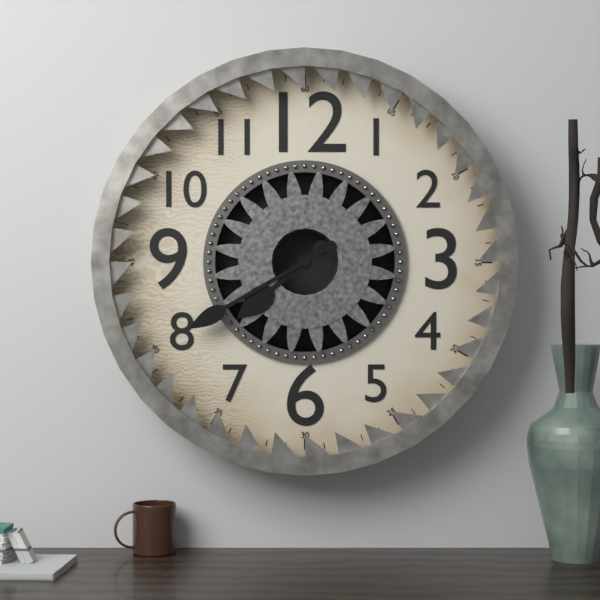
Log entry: 7:40
